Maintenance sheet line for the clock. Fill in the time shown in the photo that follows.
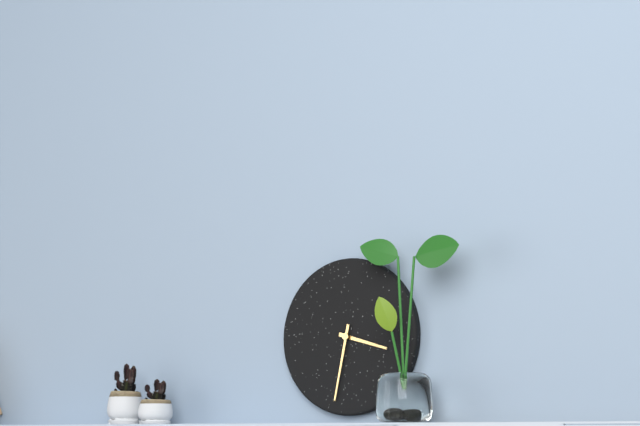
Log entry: 3:32
